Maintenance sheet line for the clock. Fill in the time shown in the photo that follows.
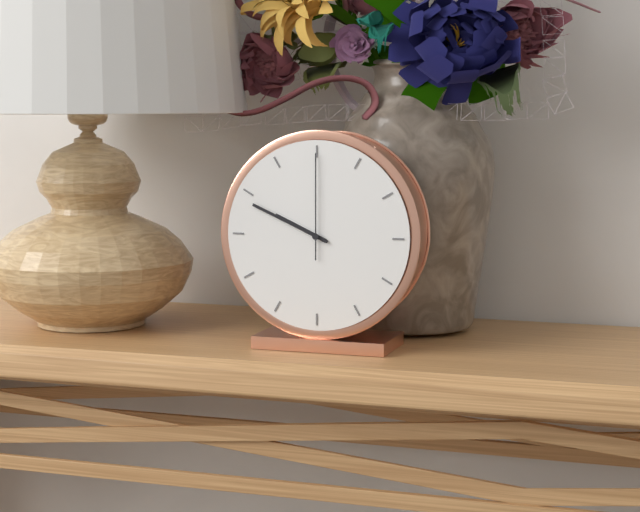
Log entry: 9:49:00
